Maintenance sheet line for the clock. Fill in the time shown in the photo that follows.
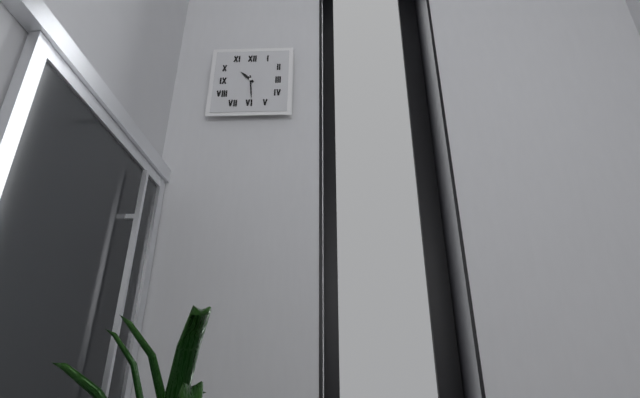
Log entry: 10:29
